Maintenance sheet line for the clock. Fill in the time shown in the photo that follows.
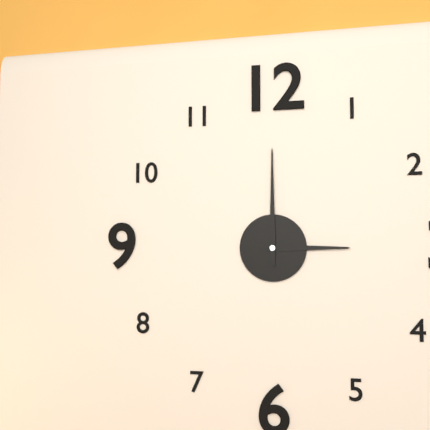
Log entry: 3:00
